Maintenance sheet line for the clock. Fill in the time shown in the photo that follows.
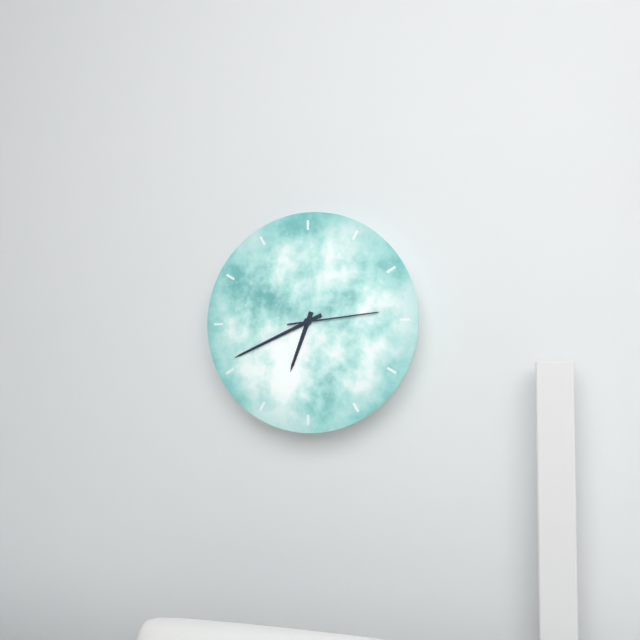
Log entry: 6:41:14
